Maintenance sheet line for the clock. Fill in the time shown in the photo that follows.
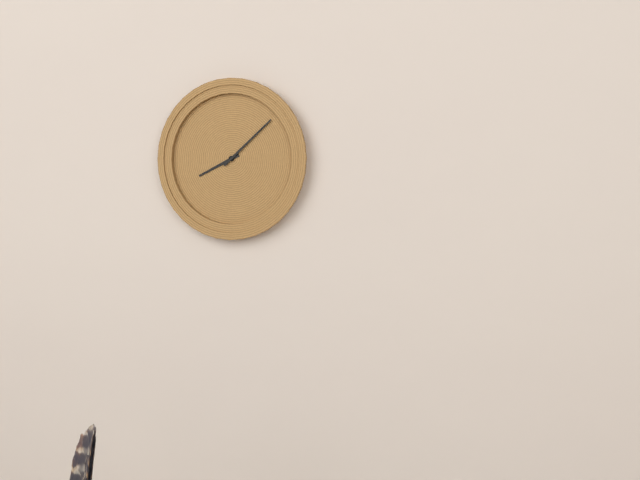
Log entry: 8:08
